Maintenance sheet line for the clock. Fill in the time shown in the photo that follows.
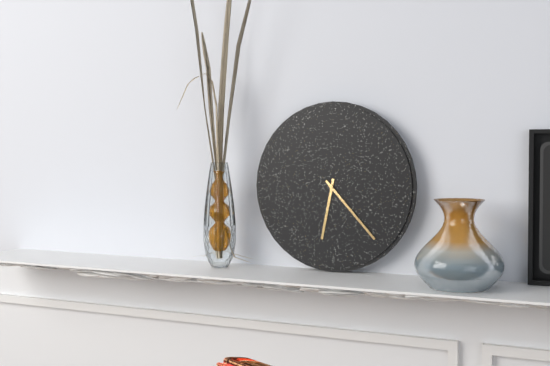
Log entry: 6:23
